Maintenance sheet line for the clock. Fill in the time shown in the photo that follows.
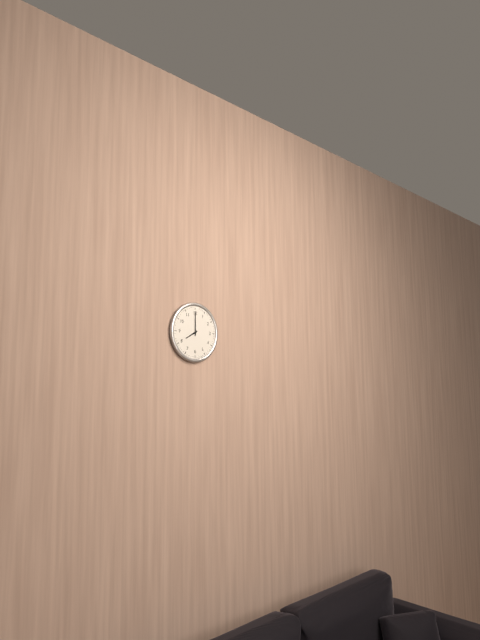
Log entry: 8:00
